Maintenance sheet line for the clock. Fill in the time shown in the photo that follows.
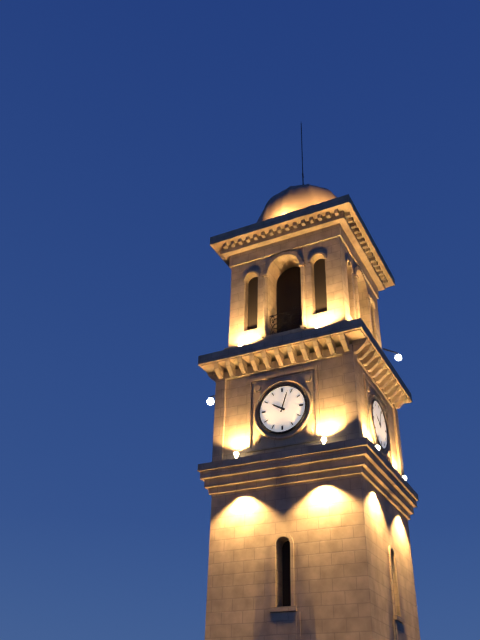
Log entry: 10:03
